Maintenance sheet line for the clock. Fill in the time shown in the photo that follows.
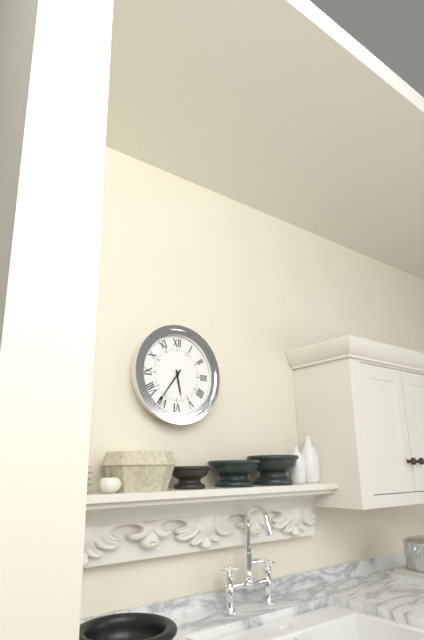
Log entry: 5:36
